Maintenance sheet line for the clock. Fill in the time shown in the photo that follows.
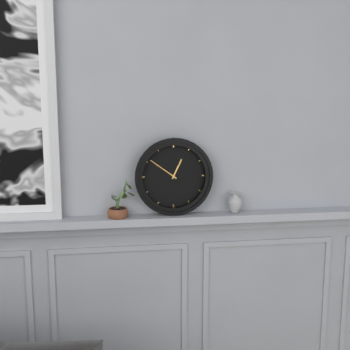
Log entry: 12:51
